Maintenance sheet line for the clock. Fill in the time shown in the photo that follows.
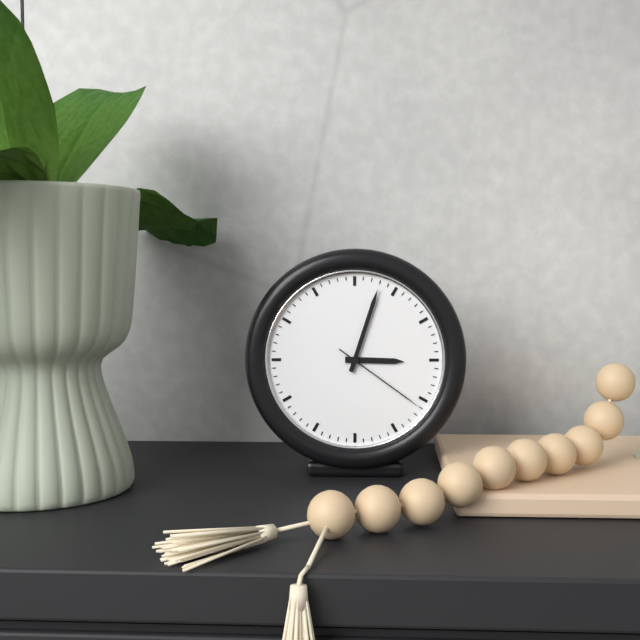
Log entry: 3:03:21
